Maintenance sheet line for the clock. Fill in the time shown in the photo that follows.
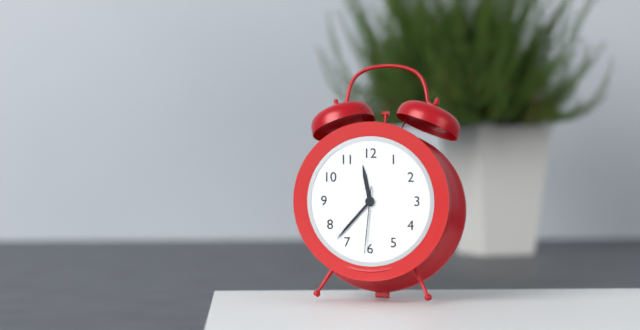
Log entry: 11:37:31
